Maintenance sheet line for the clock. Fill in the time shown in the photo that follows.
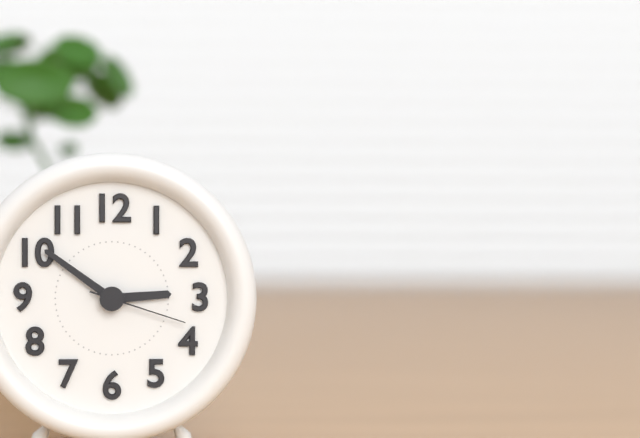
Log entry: 2:51:18
